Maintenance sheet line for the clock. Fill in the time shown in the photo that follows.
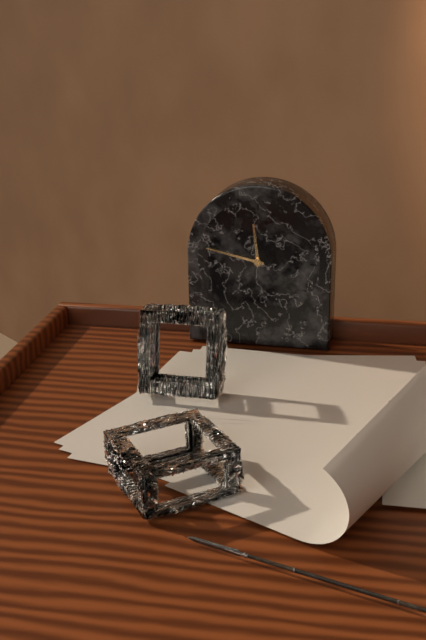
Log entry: 11:47
